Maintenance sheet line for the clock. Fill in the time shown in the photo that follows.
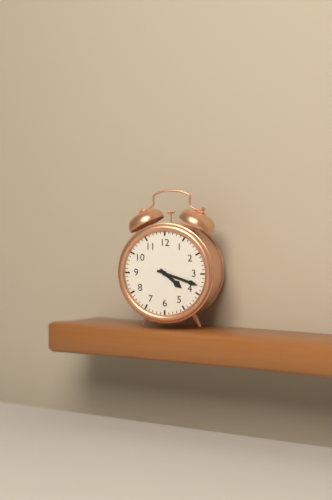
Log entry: 4:18
